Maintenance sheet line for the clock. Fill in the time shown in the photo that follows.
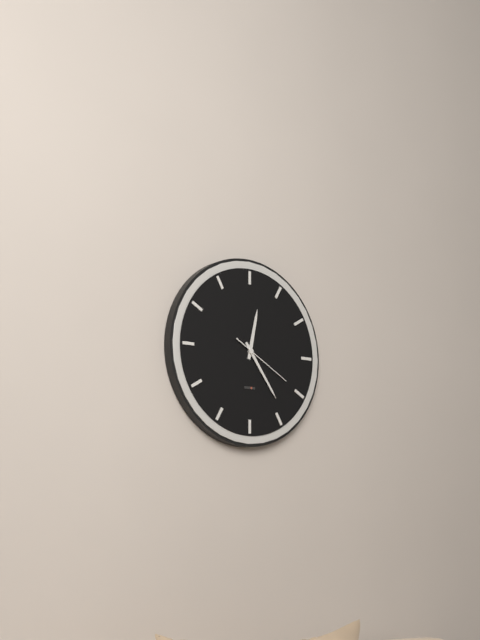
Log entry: 12:24:20
